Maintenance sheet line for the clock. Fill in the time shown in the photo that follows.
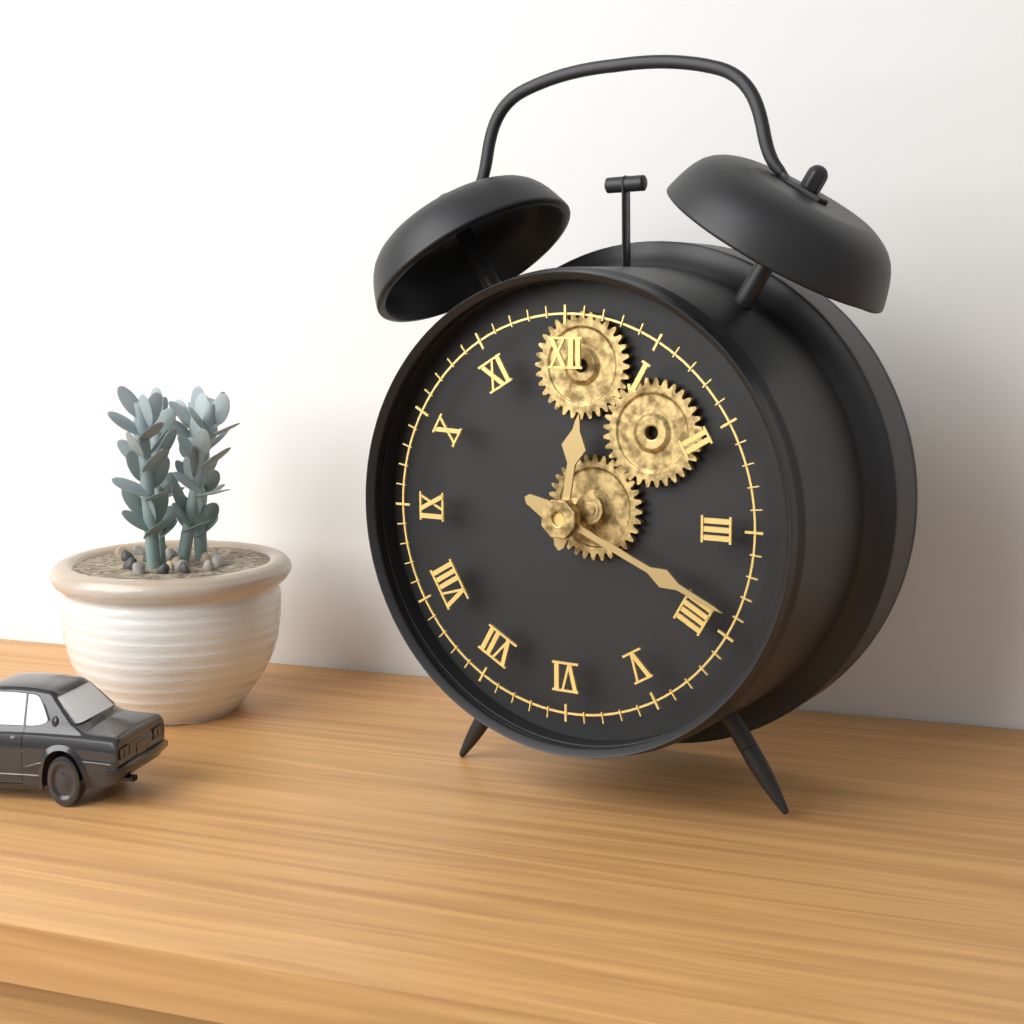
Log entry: 12:19
